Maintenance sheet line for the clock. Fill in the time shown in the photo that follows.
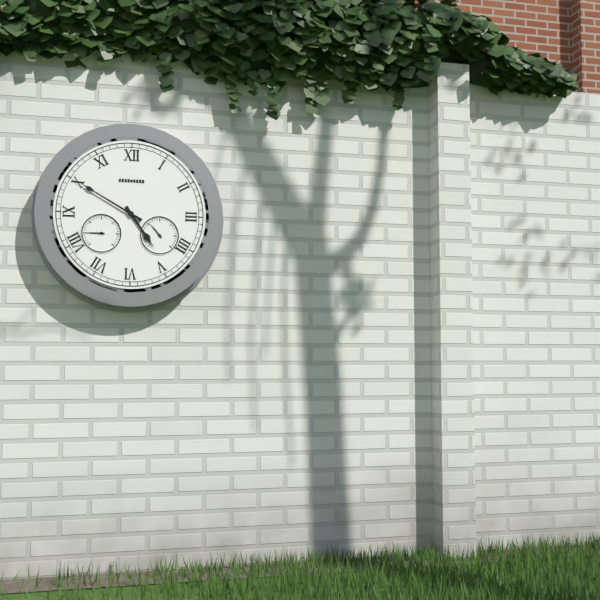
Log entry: 4:50
